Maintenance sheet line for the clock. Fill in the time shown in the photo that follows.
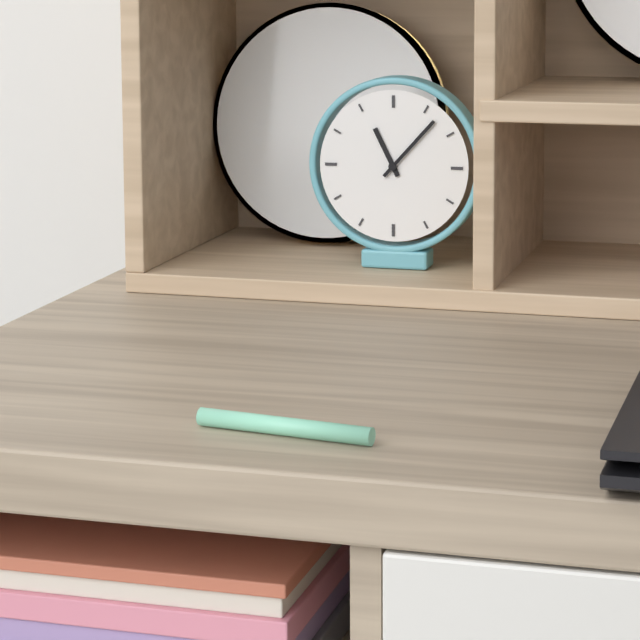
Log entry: 11:07
